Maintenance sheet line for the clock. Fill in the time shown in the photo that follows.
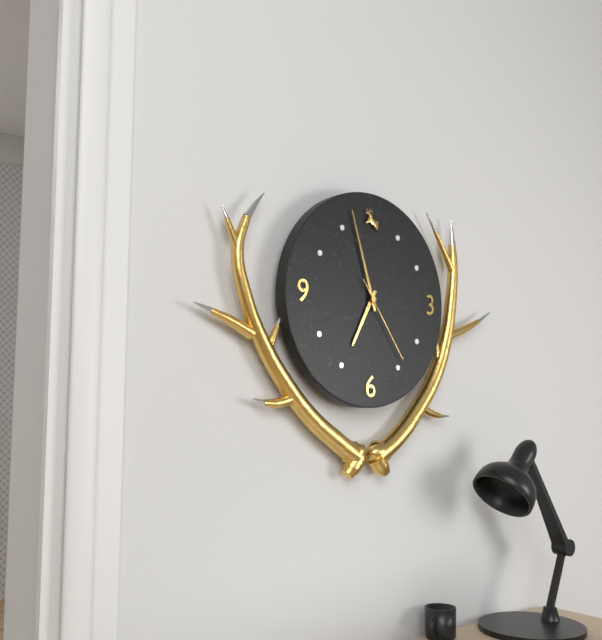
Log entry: 6:57:24
